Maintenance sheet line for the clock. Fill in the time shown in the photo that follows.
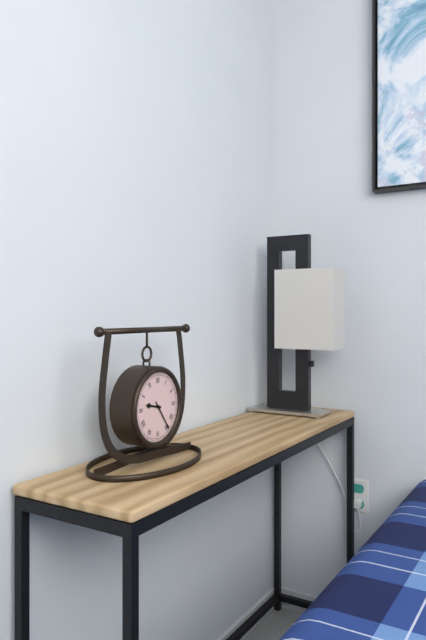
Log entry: 9:24
